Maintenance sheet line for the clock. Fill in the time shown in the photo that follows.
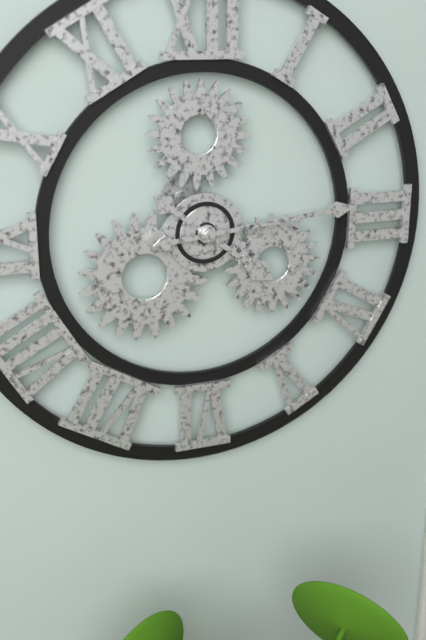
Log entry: 4:14
